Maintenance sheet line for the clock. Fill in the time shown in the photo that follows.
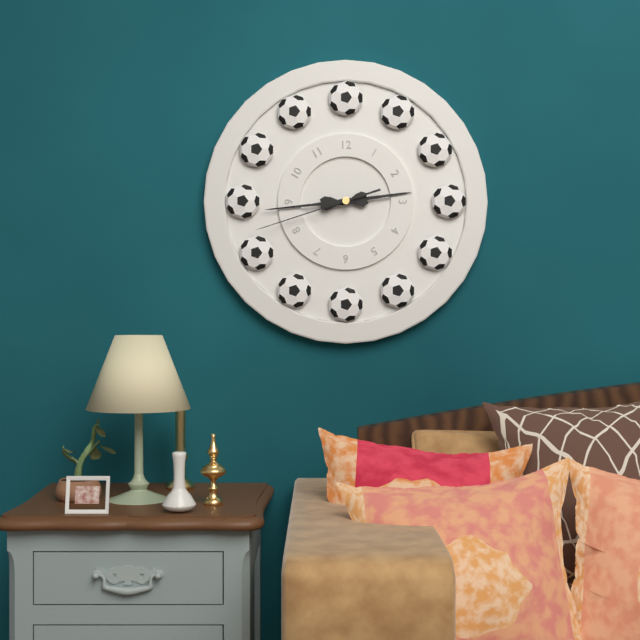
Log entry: 2:44:42
